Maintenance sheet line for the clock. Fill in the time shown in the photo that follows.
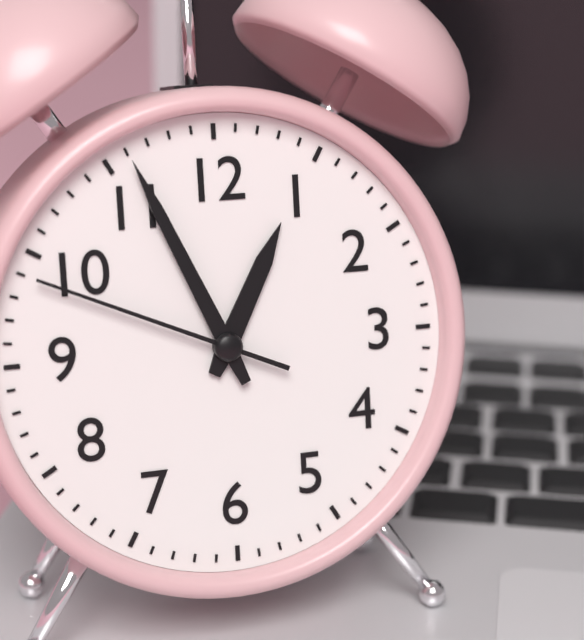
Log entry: 12:56:49
